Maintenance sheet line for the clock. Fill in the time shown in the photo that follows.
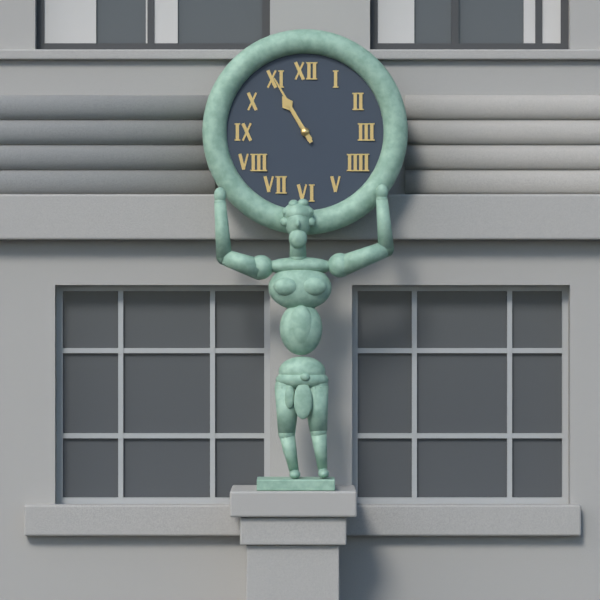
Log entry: 10:55
